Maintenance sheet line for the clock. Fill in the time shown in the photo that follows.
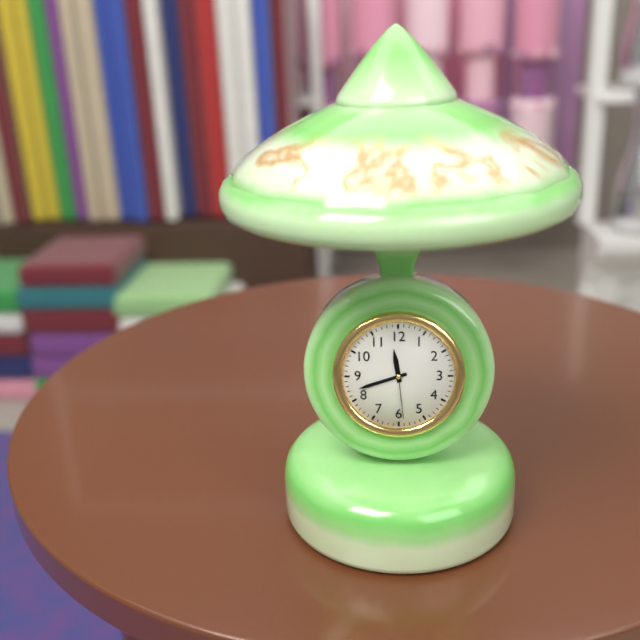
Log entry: 11:42:29
